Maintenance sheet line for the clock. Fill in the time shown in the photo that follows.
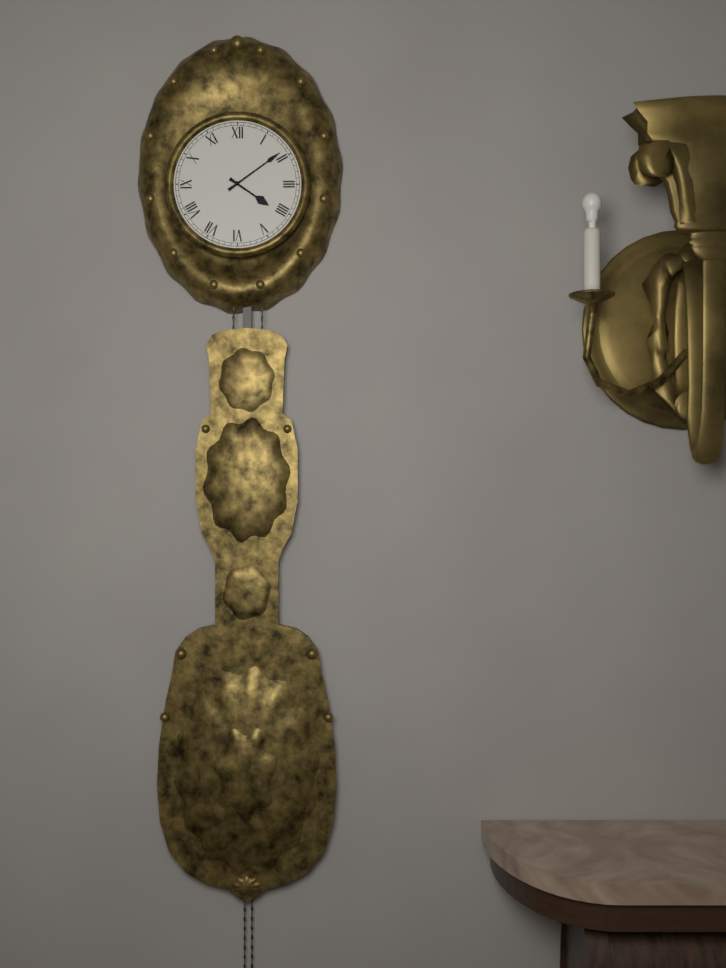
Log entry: 4:09
